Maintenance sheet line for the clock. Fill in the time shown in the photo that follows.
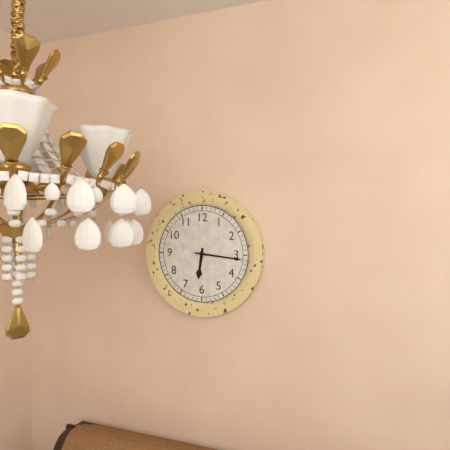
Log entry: 6:16
